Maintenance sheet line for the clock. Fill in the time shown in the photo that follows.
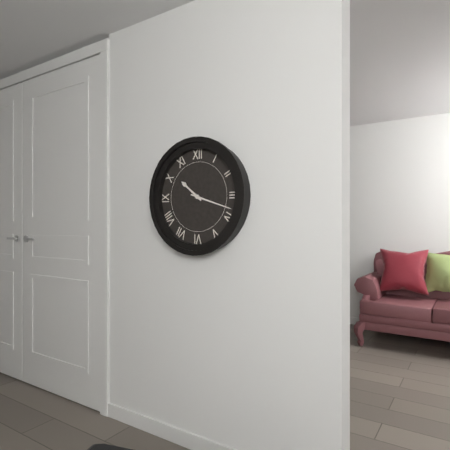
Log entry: 10:18
